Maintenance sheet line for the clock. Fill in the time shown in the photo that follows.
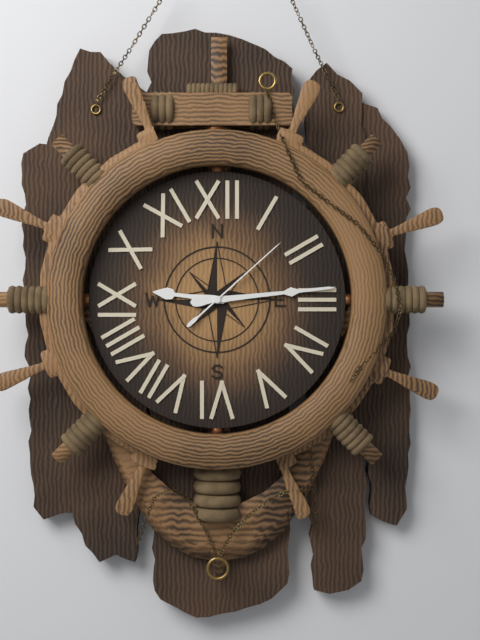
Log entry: 9:14:08
